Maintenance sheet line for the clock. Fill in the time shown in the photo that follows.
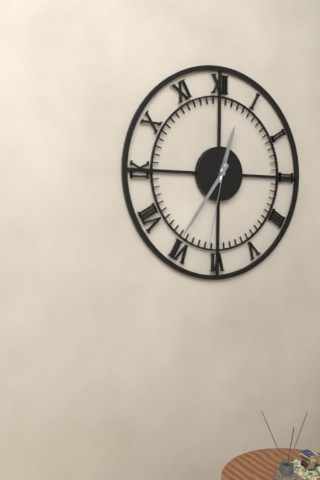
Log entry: 12:36:32
